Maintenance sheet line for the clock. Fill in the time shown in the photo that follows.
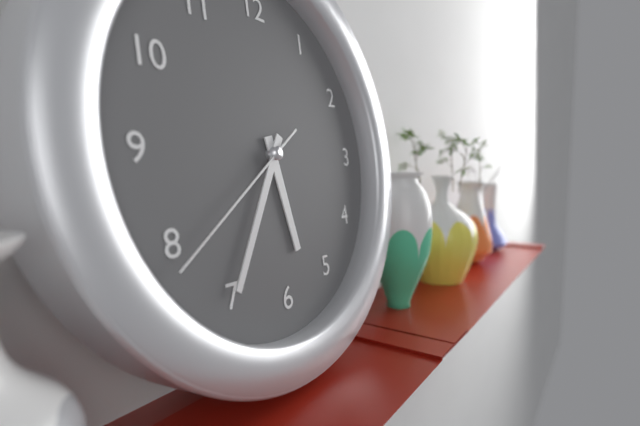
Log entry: 5:35:39
